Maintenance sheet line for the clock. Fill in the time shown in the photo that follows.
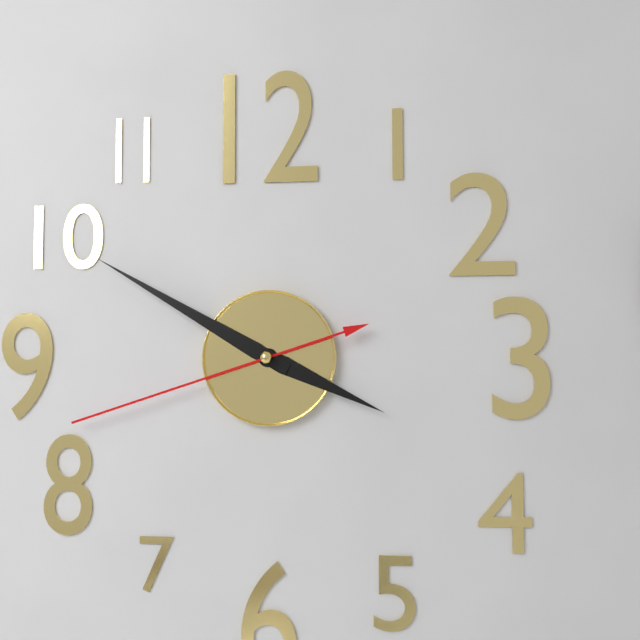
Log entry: 3:50:42
